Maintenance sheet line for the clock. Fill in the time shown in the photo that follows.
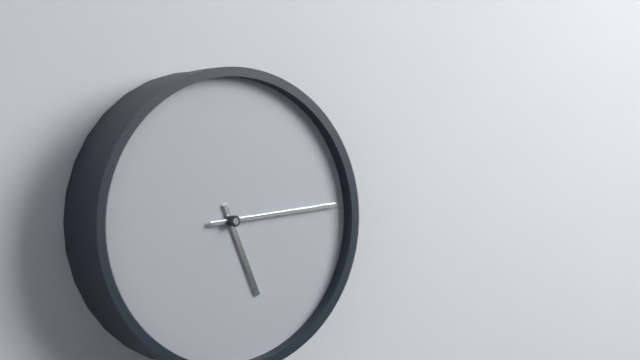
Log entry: 5:14
